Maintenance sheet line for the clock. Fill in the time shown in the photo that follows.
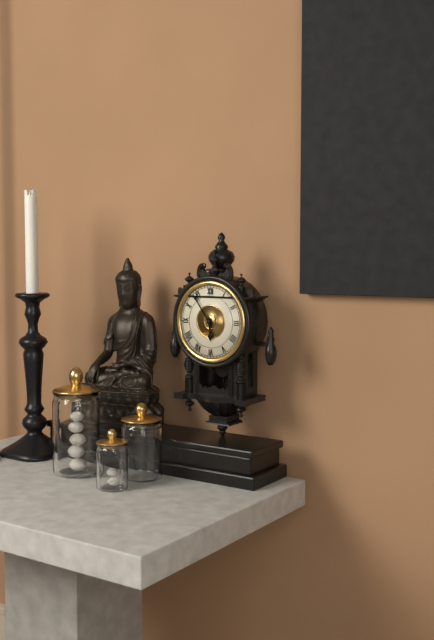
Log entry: 5:54
